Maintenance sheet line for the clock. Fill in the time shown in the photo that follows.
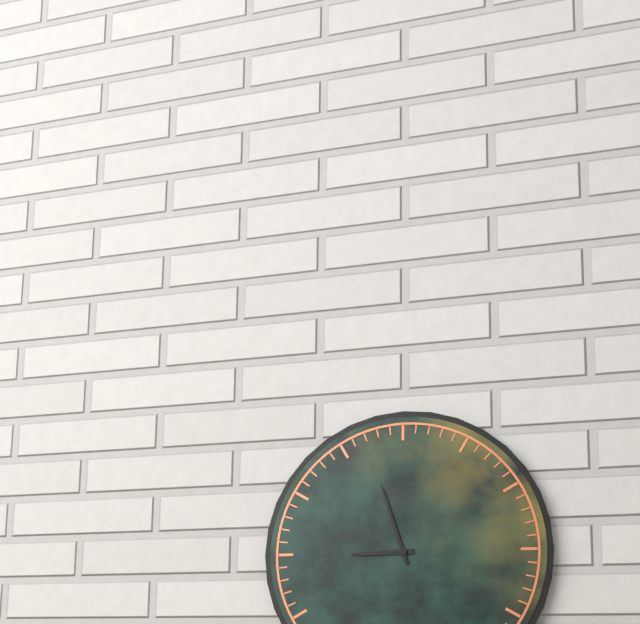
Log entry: 8:57
